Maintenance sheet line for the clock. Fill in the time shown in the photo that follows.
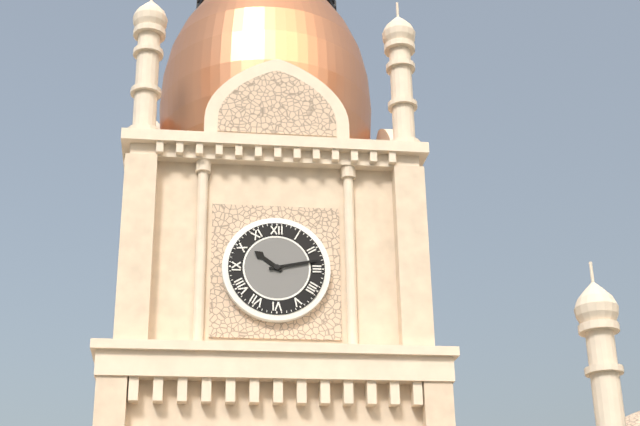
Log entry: 10:13
